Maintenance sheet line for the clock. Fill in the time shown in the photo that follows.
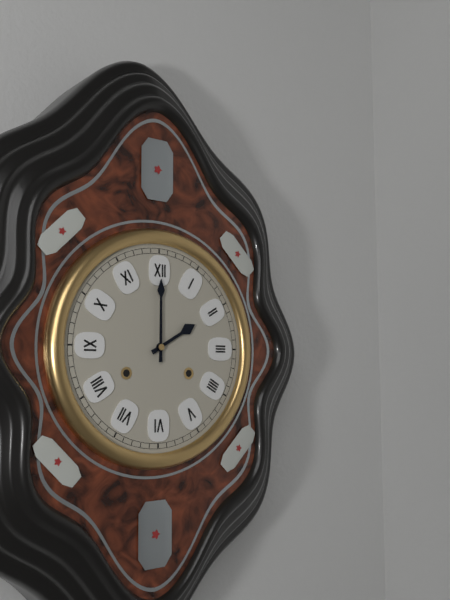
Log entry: 2:00
